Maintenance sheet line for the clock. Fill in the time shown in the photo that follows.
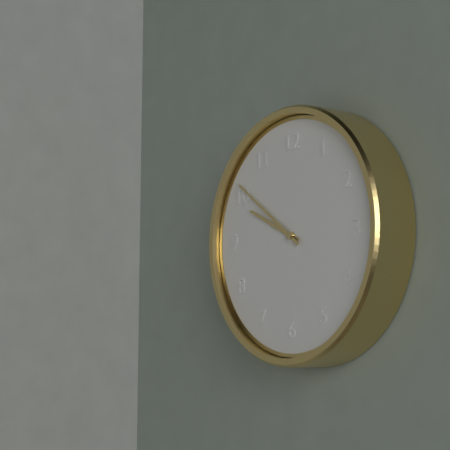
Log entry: 9:51
